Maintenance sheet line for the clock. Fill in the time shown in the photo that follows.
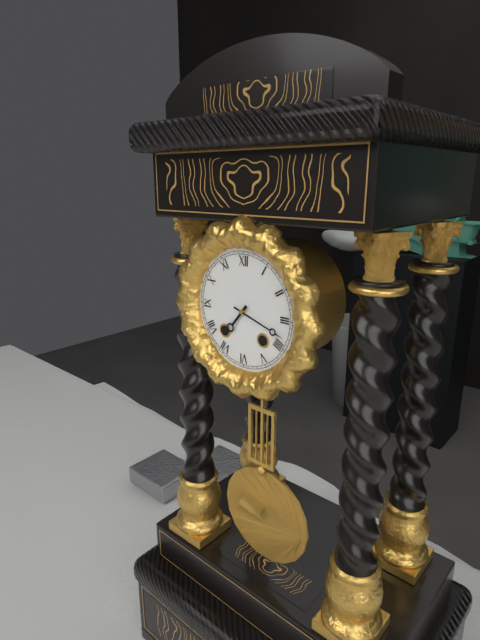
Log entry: 7:18
